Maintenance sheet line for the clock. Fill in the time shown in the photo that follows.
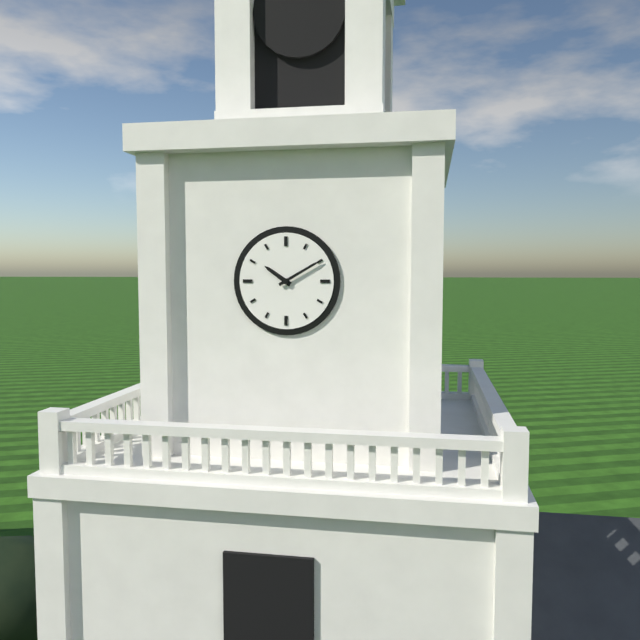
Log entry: 10:10
